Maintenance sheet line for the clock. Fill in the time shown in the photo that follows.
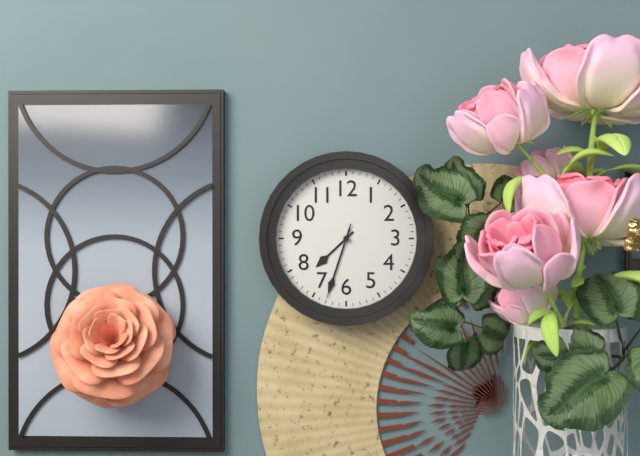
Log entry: 7:33:33
